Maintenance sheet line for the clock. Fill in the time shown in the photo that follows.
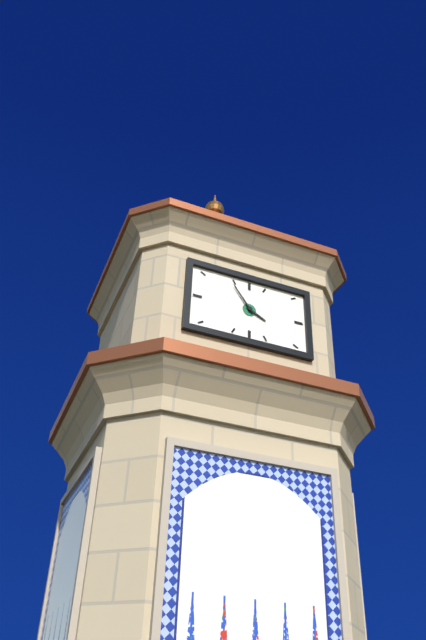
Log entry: 3:54
